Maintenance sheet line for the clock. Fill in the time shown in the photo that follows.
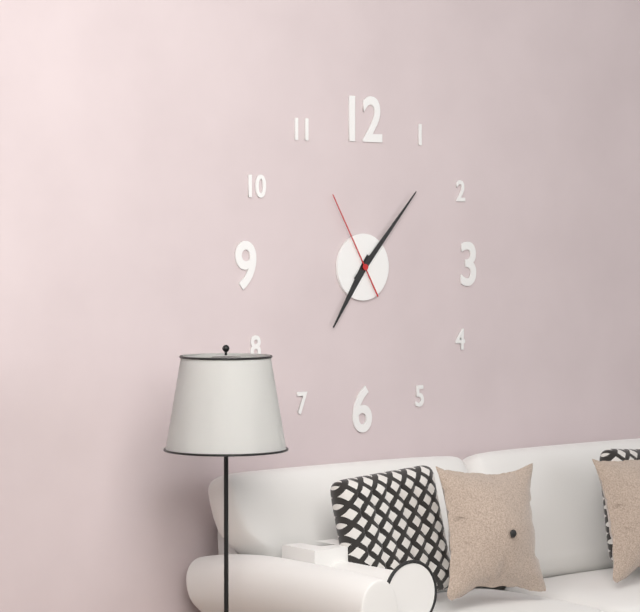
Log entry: 7:07:55
